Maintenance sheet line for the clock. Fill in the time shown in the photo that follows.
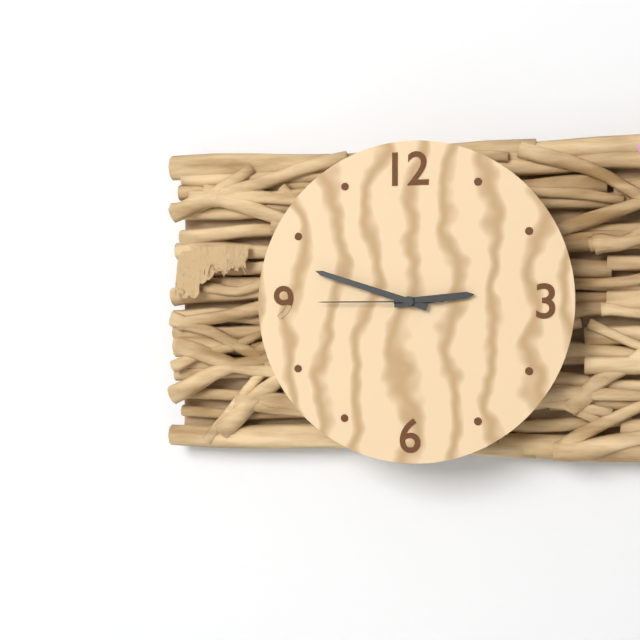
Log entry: 2:48:45
